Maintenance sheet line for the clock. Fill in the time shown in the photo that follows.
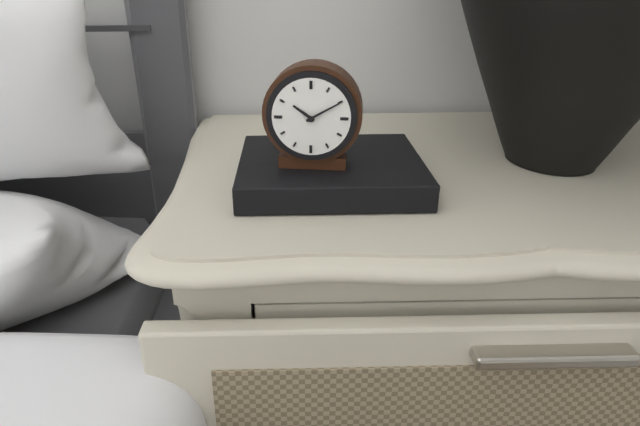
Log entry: 10:10
